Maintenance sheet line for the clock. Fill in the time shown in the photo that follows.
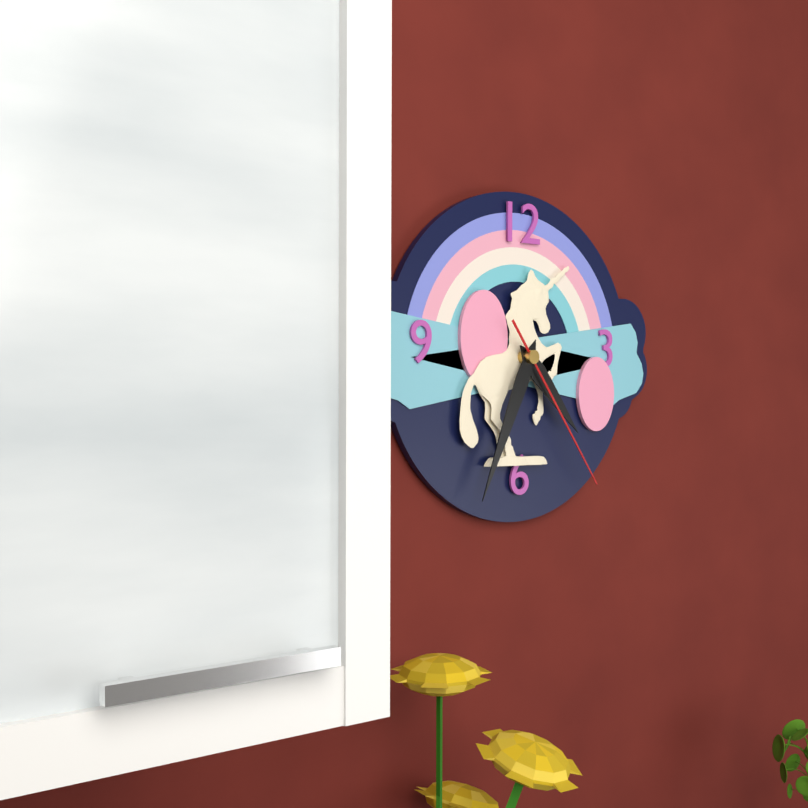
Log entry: 4:34:24
